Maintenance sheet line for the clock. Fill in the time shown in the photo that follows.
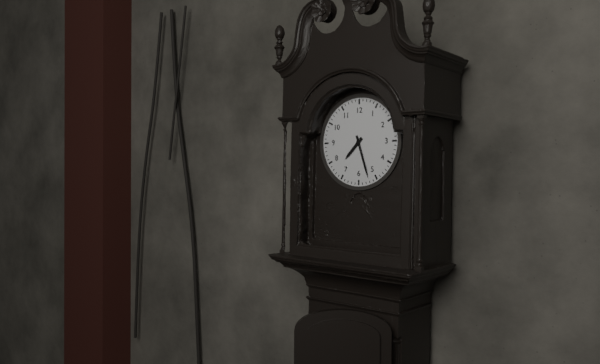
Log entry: 7:27
